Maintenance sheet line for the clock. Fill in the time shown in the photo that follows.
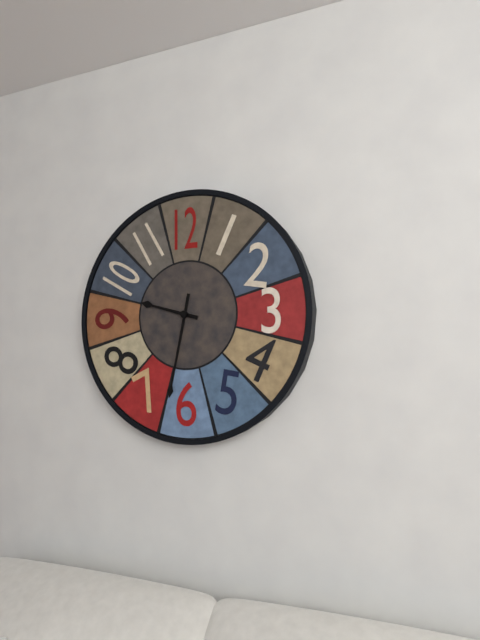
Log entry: 9:32
